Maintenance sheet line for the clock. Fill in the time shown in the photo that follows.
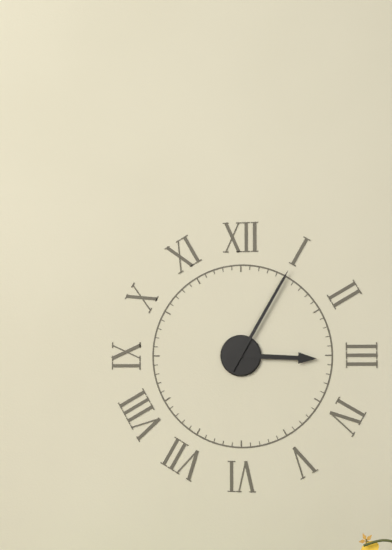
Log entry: 3:05
